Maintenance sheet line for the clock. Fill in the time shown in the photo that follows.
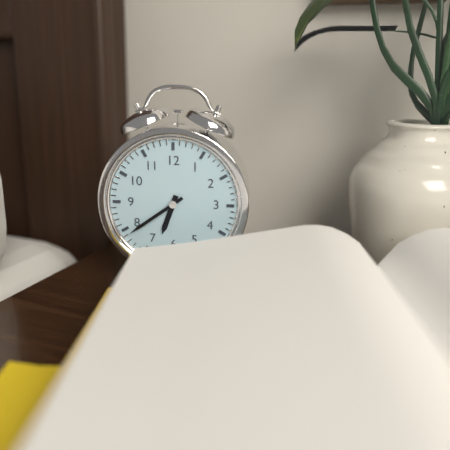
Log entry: 6:39
